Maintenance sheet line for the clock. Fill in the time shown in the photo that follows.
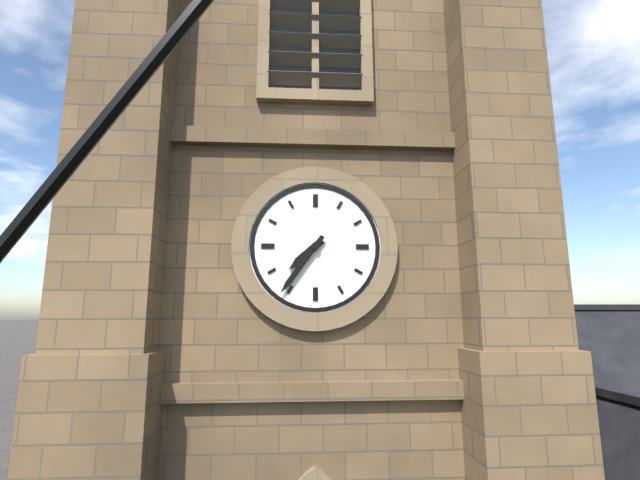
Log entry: 7:36
